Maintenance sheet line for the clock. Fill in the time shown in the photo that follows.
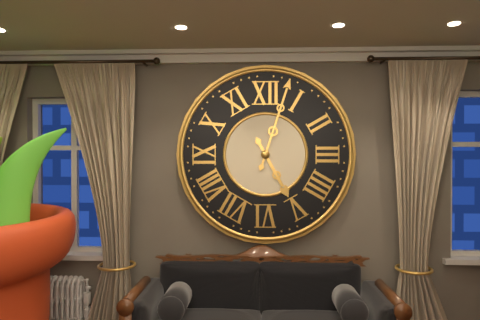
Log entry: 5:03
